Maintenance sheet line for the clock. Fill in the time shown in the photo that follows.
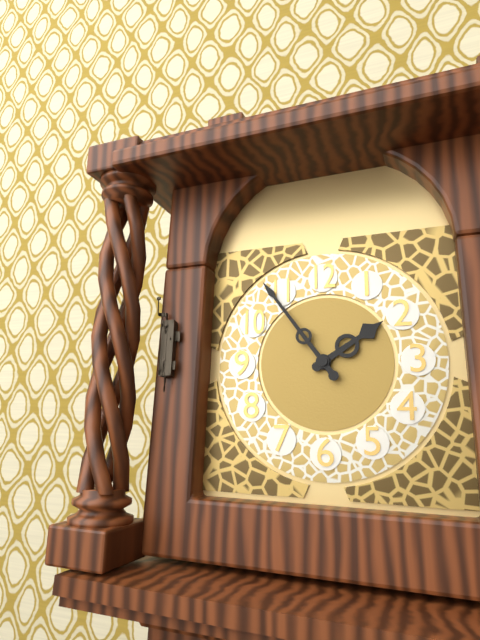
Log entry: 1:54
